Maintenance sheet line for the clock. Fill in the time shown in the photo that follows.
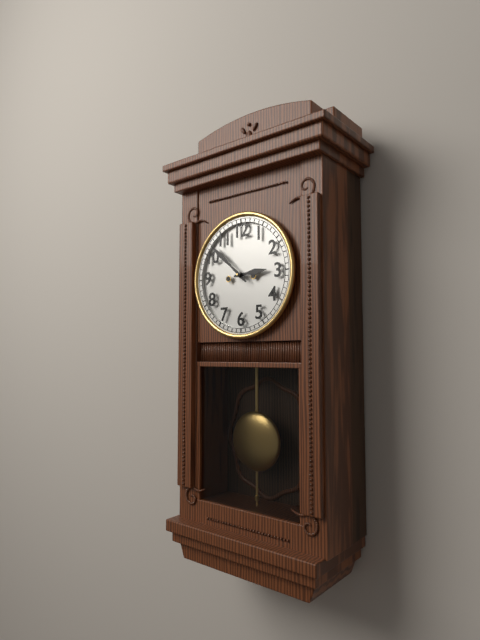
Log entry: 2:52
